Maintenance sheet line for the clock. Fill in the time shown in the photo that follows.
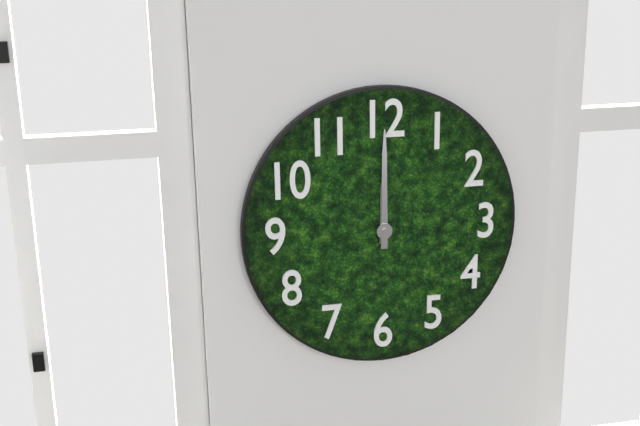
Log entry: 12:00
